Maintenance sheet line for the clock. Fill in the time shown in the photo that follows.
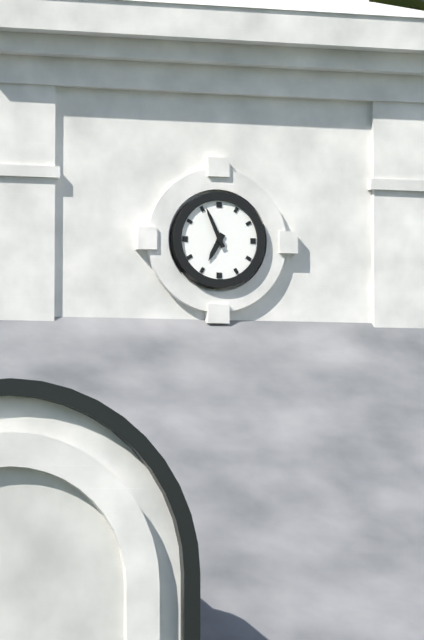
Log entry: 6:56
